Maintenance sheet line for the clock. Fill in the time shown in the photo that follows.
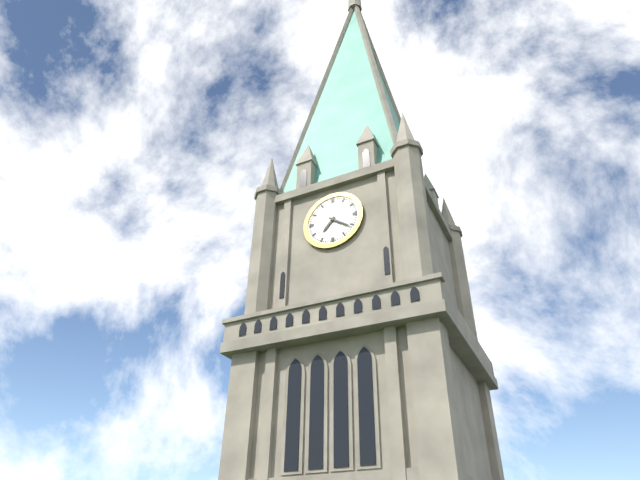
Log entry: 7:21
